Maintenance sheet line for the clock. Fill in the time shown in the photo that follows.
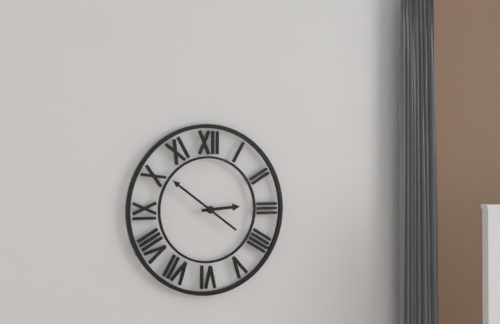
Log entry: 2:51
